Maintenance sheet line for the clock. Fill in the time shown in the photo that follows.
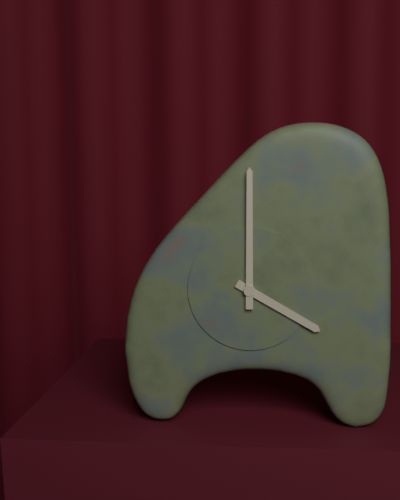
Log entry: 4:00
